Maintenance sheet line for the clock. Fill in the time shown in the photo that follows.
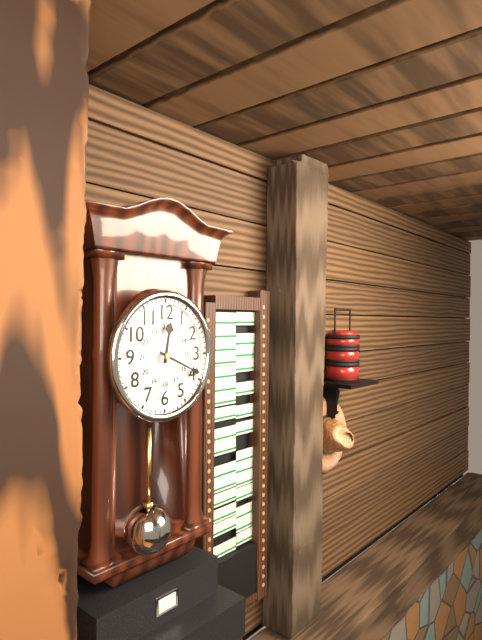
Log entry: 12:19
